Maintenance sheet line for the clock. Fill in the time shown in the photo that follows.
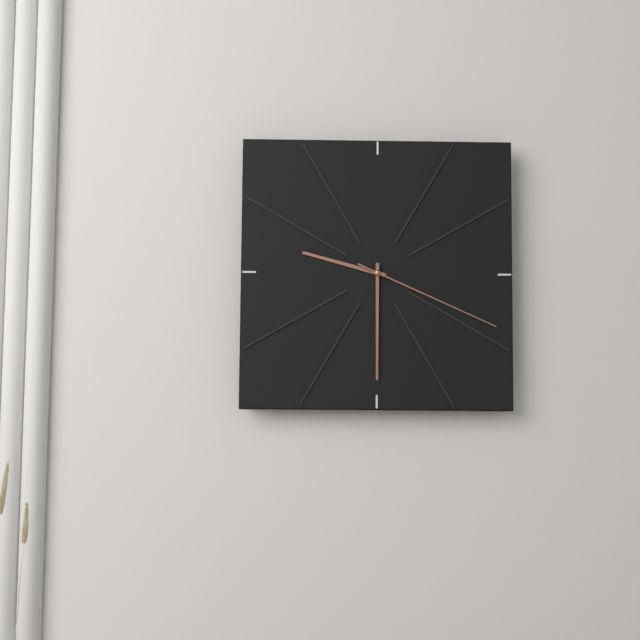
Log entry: 9:30:19
